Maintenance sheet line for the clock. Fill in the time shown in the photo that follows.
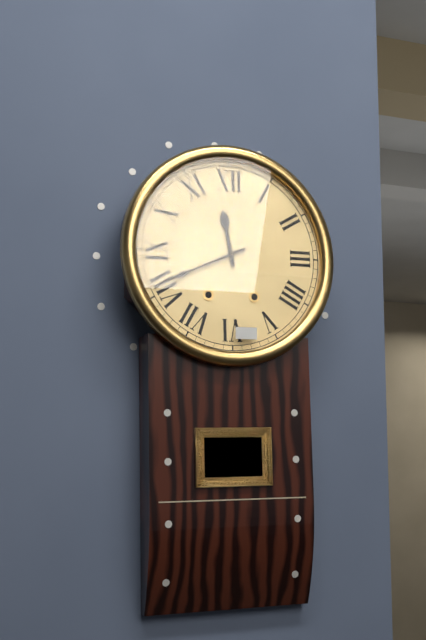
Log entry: 11:41
